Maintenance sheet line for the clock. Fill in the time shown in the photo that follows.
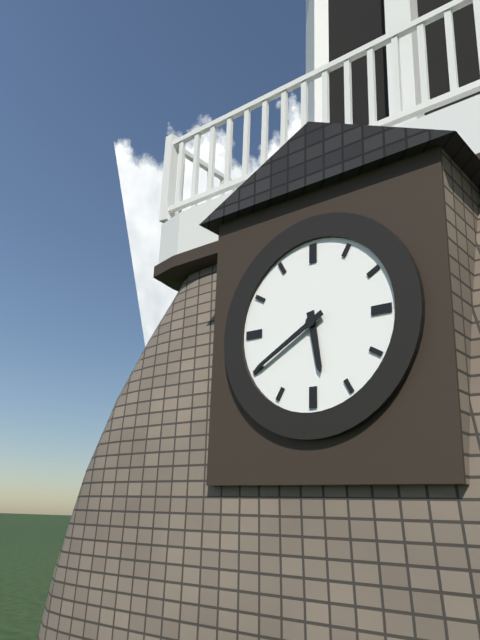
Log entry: 5:40
